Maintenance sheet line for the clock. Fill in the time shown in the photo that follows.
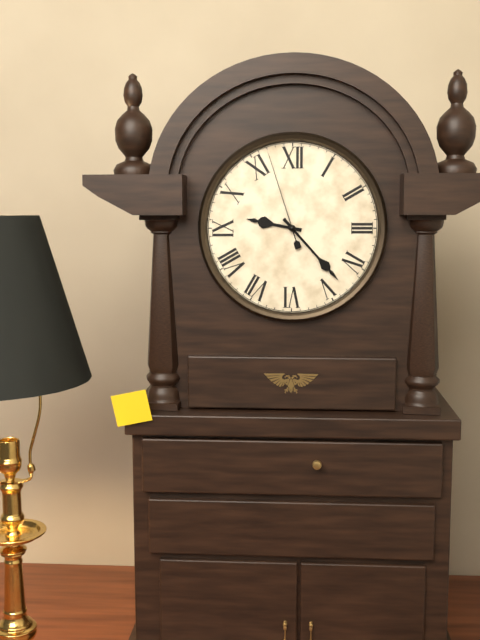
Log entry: 9:23:57
